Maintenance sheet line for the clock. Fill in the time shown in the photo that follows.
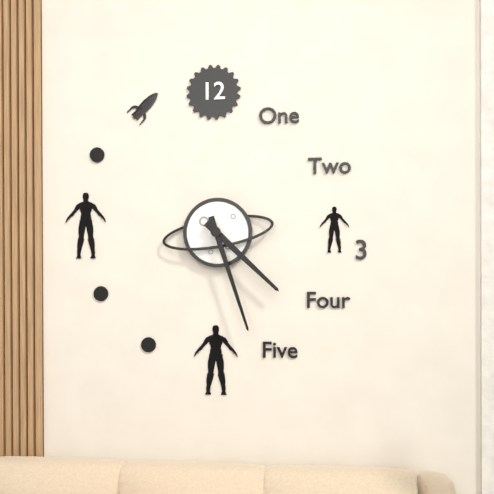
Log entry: 4:27
